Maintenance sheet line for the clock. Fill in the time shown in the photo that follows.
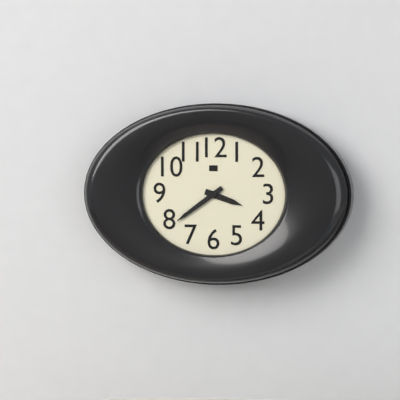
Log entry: 3:39
